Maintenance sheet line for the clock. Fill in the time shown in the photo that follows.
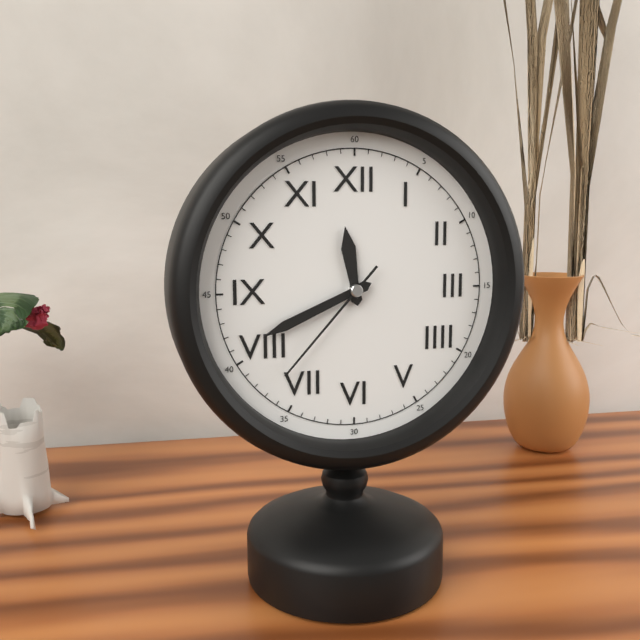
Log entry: 11:41:37
